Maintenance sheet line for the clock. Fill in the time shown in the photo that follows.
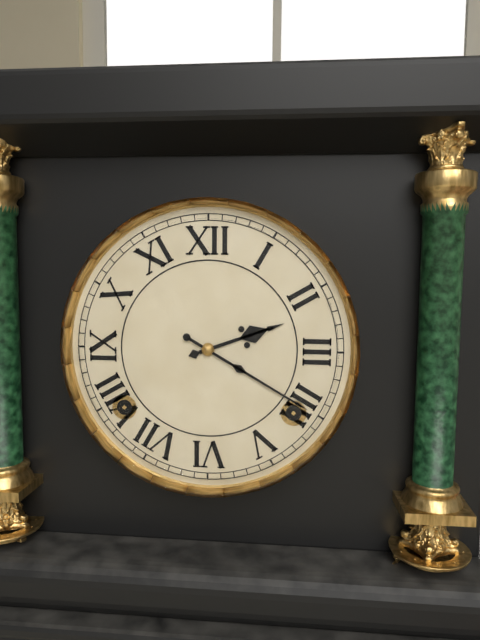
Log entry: 2:20
